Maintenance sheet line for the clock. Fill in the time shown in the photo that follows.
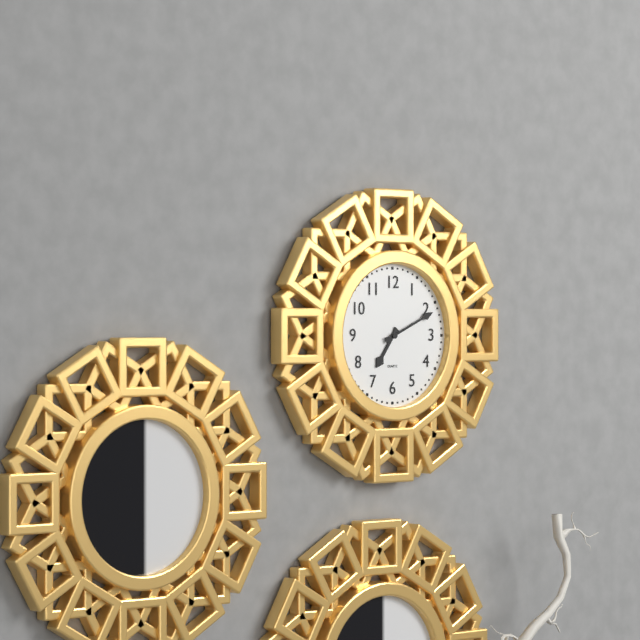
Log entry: 7:11
